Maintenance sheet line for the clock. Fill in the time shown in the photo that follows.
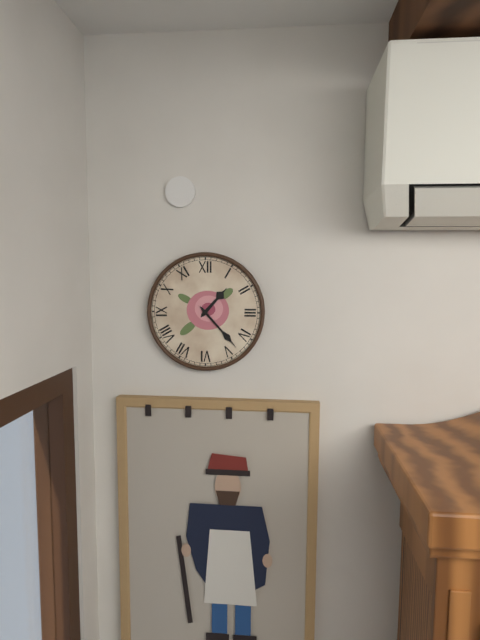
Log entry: 1:23
